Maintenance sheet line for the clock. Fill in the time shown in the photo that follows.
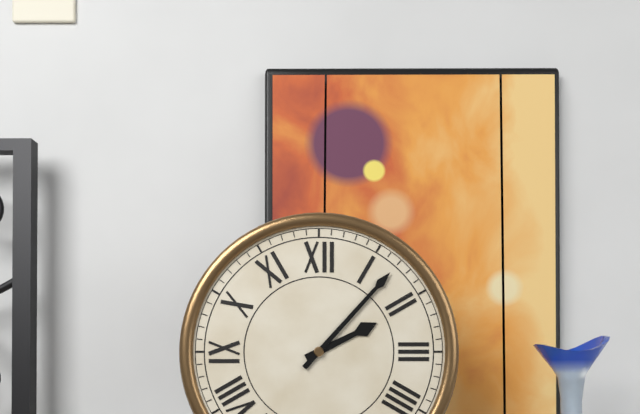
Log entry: 2:07
